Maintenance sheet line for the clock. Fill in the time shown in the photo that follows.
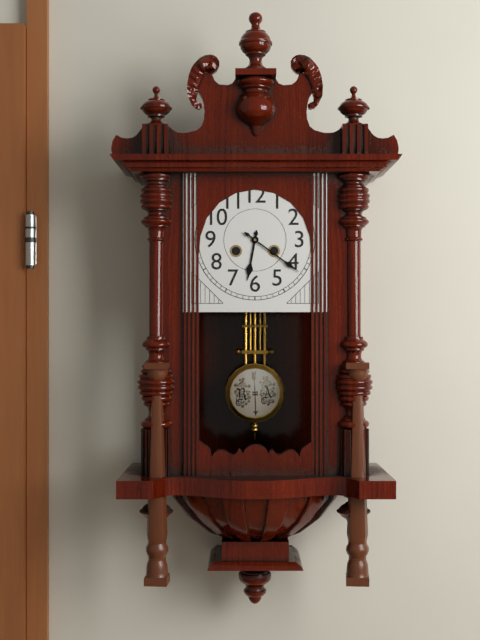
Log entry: 6:21
